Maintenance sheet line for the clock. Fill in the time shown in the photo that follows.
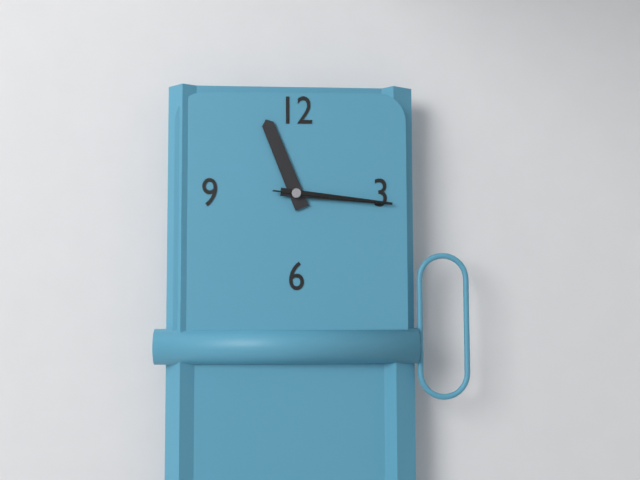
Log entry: 11:16:16
